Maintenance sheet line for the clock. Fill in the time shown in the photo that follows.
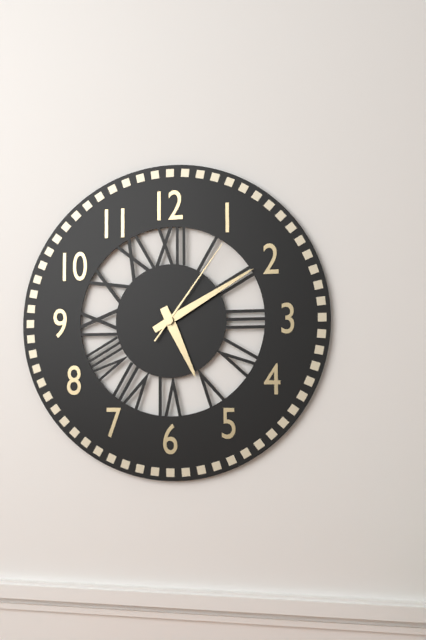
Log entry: 5:10:06
